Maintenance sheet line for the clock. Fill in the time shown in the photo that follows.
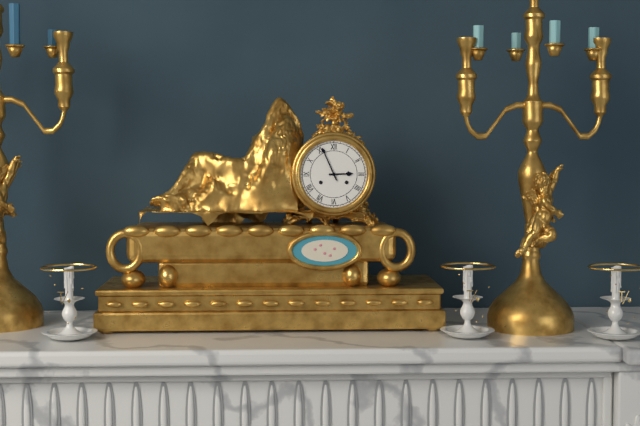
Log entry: 2:56
